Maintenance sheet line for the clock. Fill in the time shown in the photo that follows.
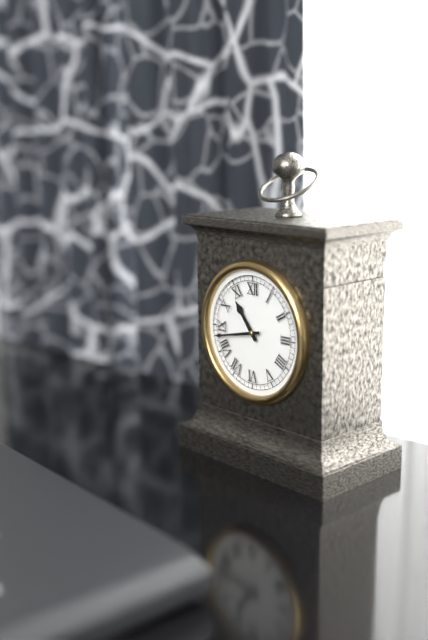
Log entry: 10:43
